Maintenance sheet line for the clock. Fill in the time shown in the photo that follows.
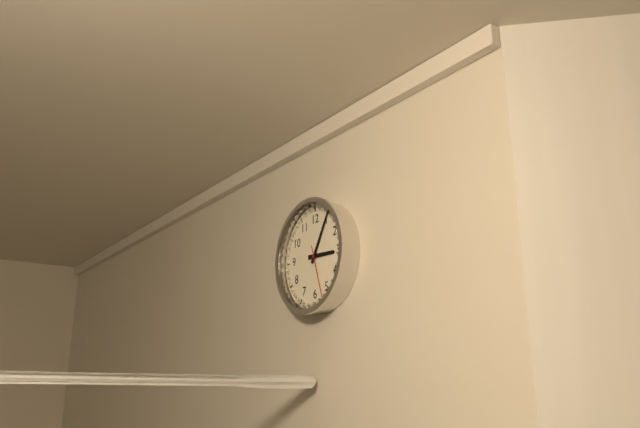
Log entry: 3:05:27
